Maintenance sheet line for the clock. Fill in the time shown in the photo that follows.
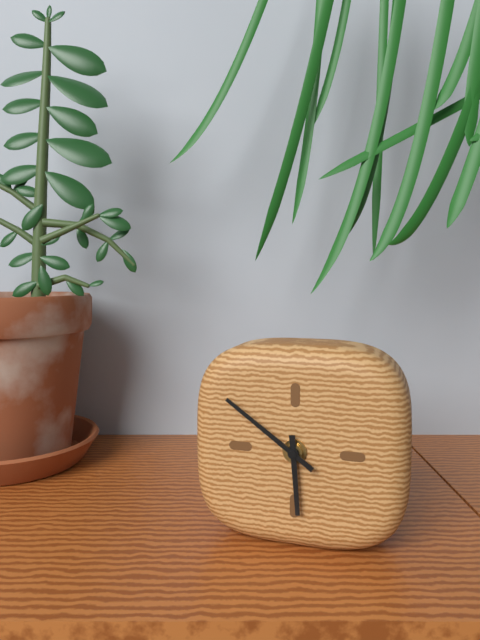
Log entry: 5:51
